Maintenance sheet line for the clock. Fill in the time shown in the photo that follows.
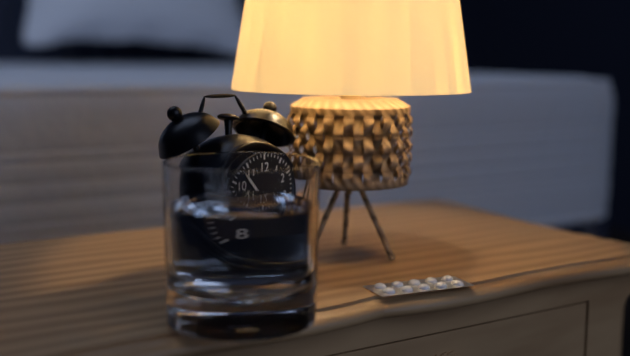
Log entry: 3:53
